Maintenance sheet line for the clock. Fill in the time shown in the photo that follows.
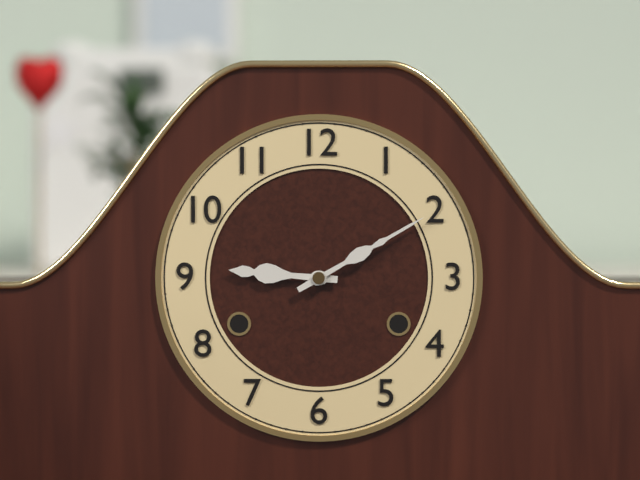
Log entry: 9:10
